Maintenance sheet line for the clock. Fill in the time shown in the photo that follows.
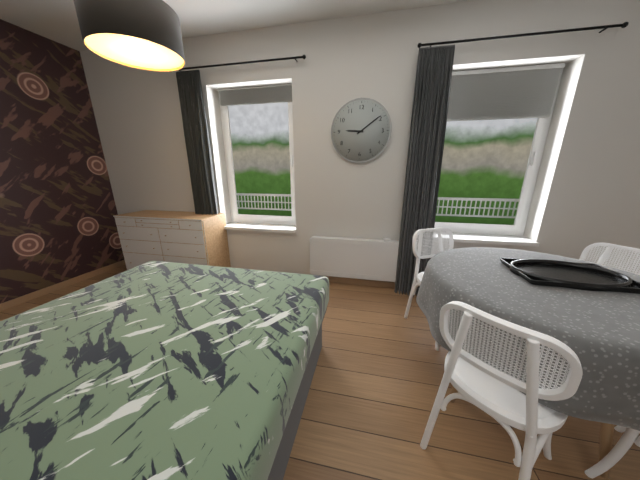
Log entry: 9:09
